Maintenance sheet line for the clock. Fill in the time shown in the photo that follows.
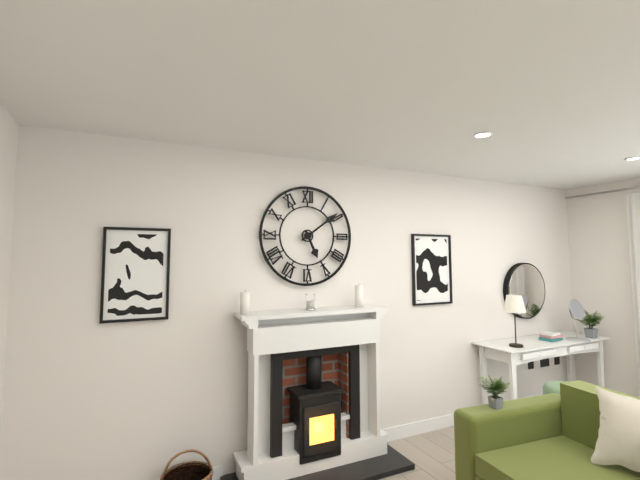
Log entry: 5:09
